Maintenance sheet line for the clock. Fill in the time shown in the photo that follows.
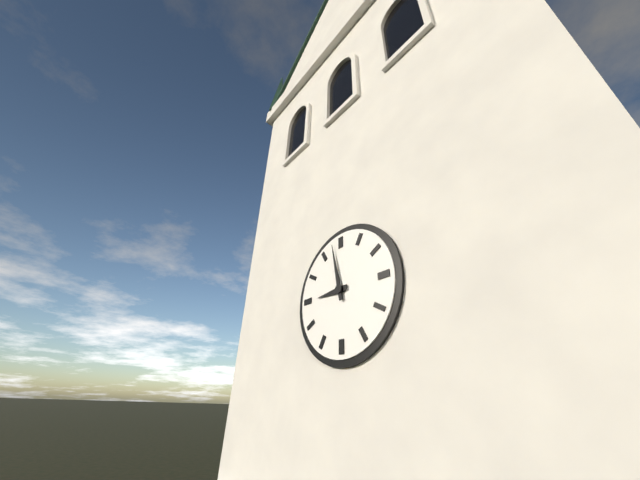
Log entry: 8:58
